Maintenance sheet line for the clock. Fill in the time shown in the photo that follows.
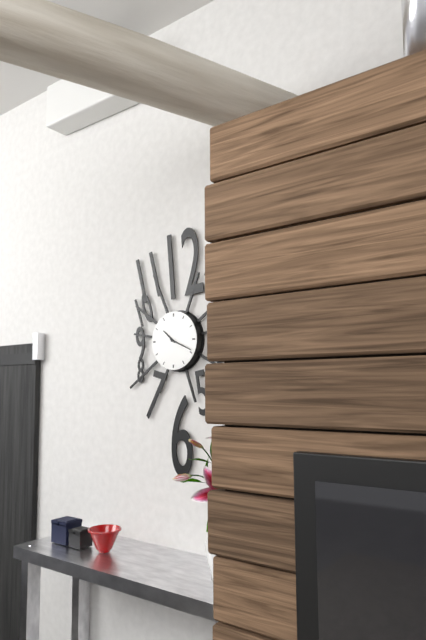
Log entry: 10:19
